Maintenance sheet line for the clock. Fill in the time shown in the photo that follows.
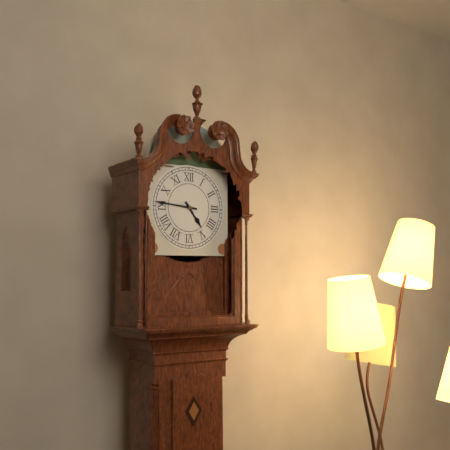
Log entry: 4:46
